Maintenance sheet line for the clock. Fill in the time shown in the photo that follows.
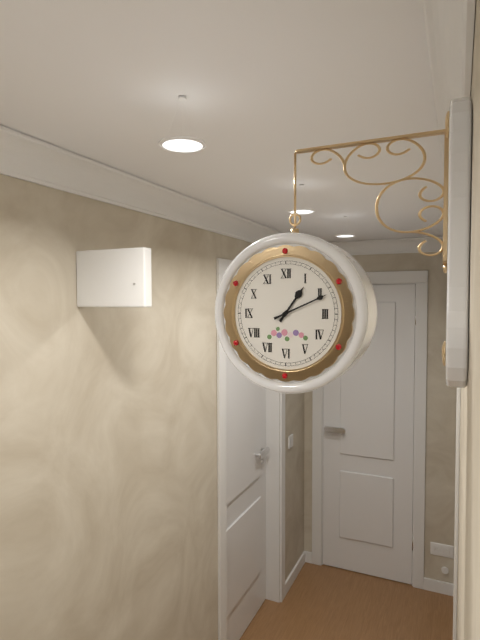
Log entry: 1:11
